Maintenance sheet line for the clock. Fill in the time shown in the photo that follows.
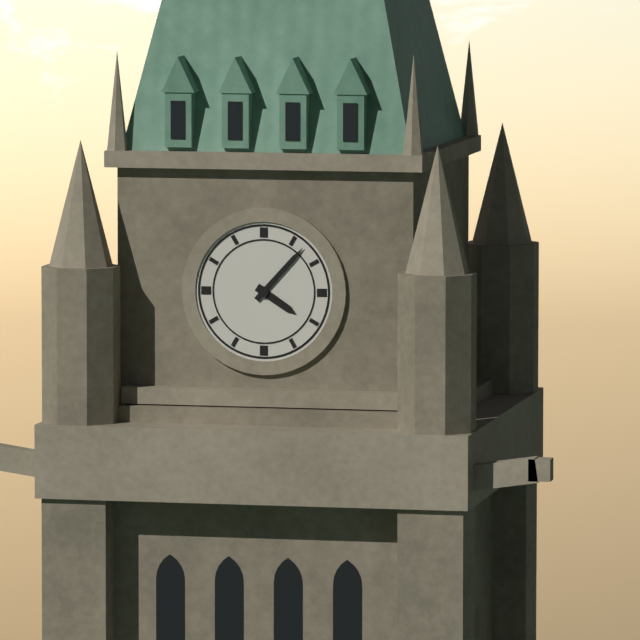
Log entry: 4:07
